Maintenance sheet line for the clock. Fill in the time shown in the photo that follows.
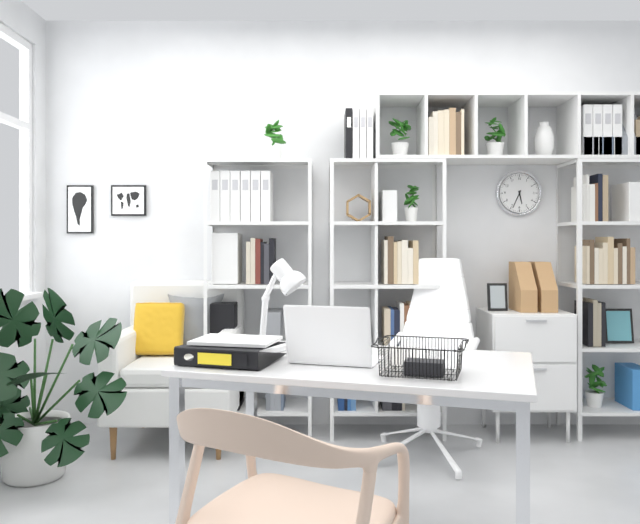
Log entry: 5:34
